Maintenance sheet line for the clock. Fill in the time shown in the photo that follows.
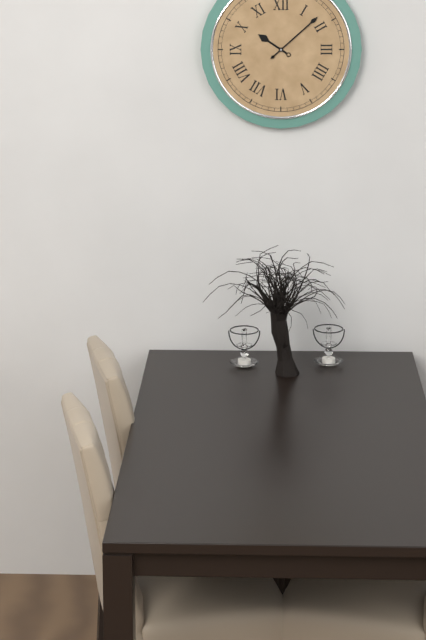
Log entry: 10:08
